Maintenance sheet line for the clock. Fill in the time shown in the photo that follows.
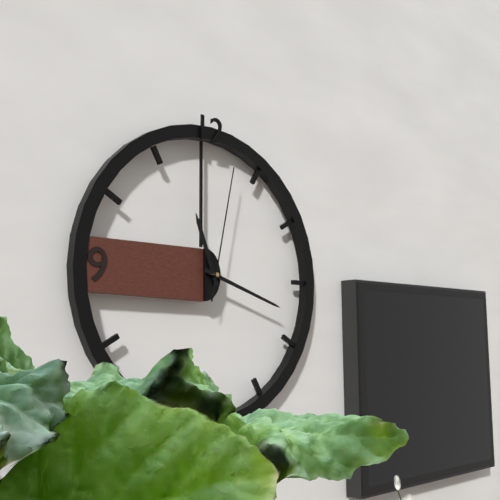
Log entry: 11:18:02
